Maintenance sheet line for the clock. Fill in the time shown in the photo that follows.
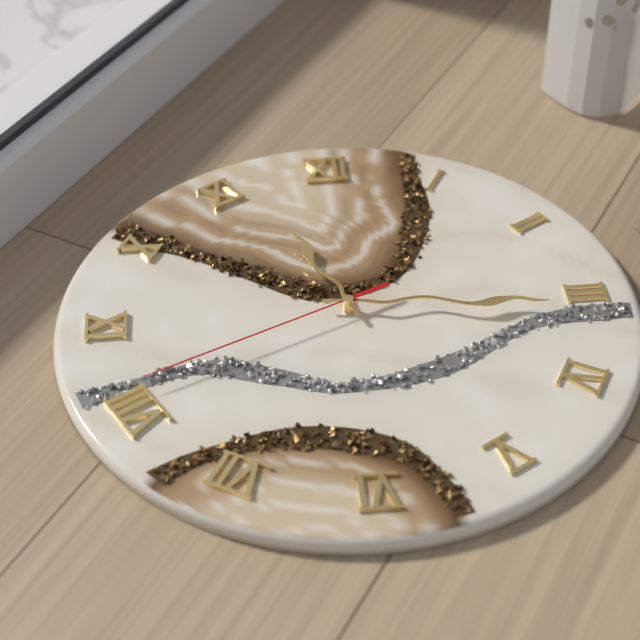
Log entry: 11:16:41
